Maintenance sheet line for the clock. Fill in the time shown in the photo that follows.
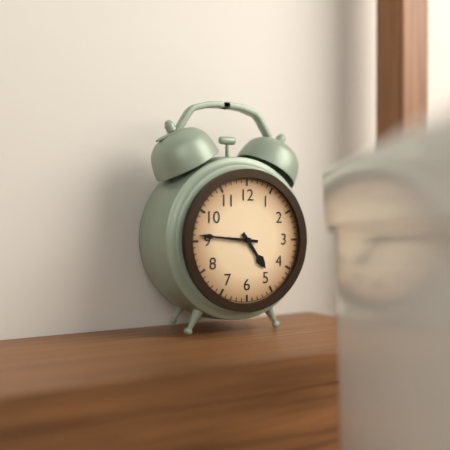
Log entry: 4:46
